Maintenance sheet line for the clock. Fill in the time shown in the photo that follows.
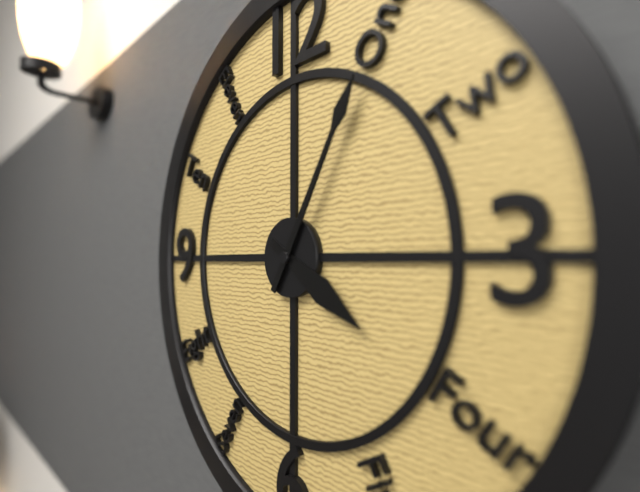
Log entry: 4:05
